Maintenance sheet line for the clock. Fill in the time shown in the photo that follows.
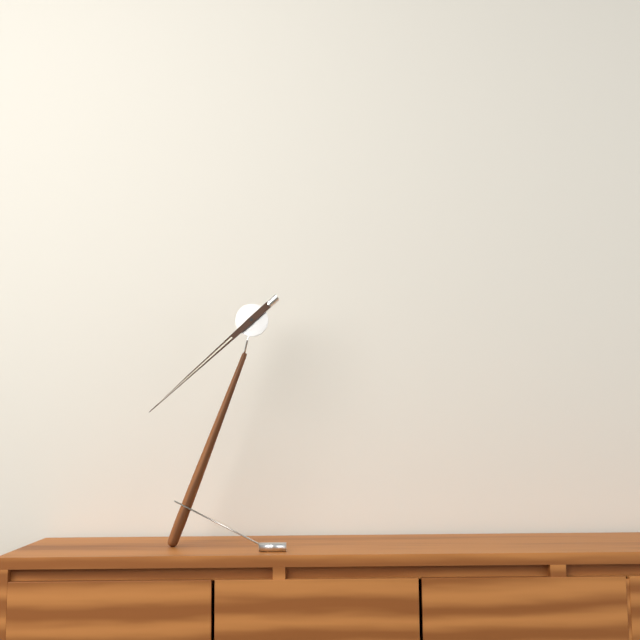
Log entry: 7:38
